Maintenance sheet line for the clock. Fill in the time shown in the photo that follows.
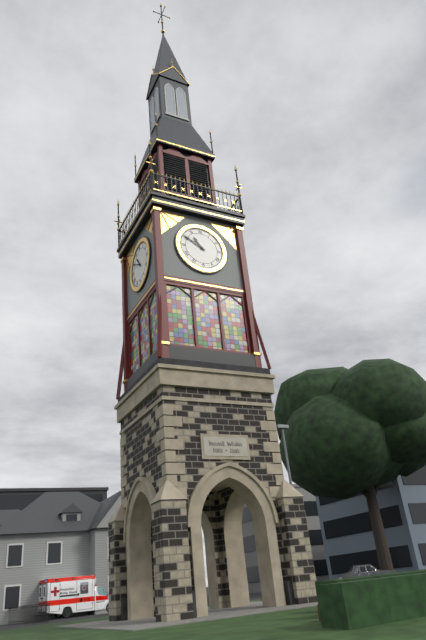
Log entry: 10:50
